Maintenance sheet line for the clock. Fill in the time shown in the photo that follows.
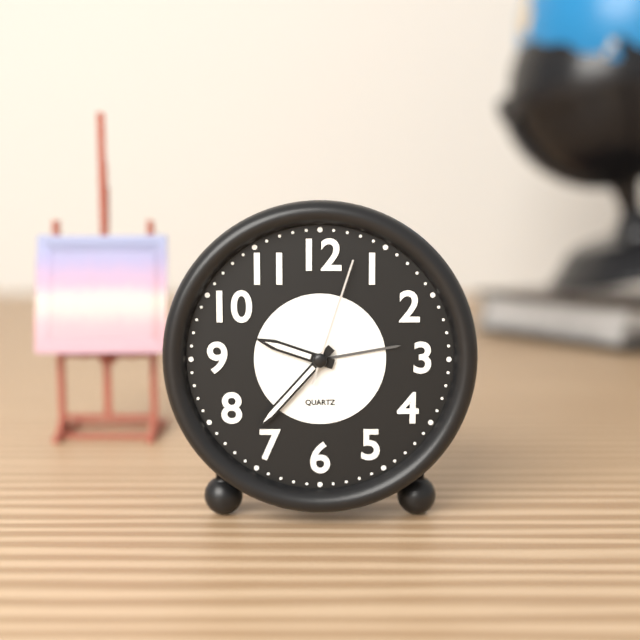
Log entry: 9:37:03
